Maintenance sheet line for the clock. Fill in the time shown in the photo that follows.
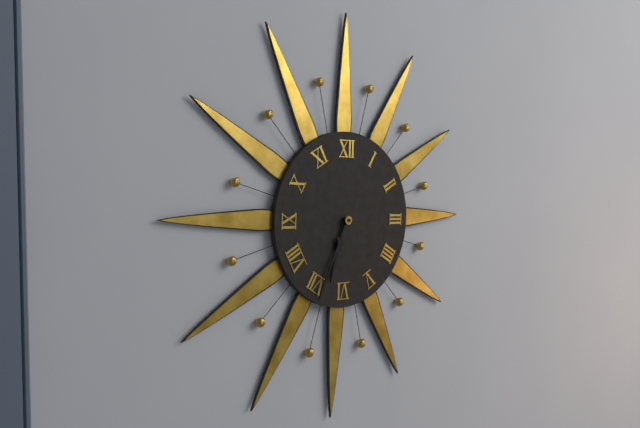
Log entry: 6:34
